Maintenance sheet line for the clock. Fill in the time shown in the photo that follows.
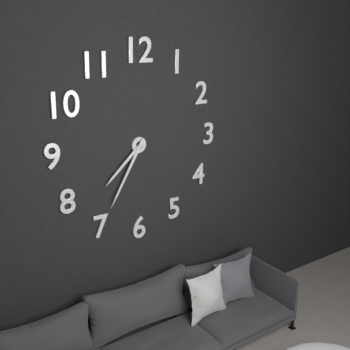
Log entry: 7:35
